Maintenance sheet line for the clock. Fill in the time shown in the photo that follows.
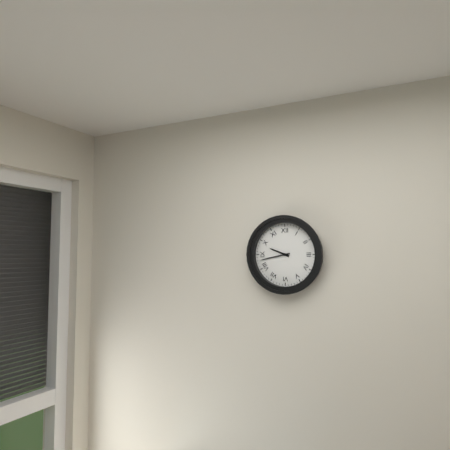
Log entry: 9:43
